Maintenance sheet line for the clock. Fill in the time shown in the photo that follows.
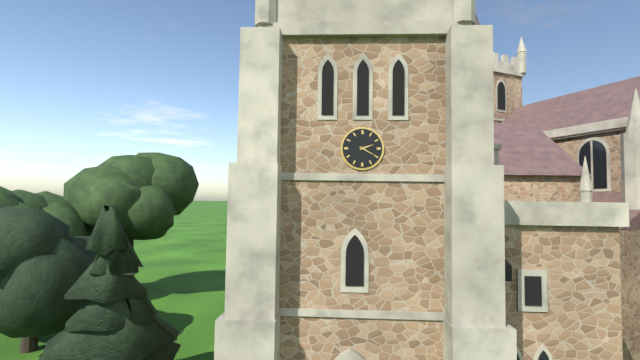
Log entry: 2:20
